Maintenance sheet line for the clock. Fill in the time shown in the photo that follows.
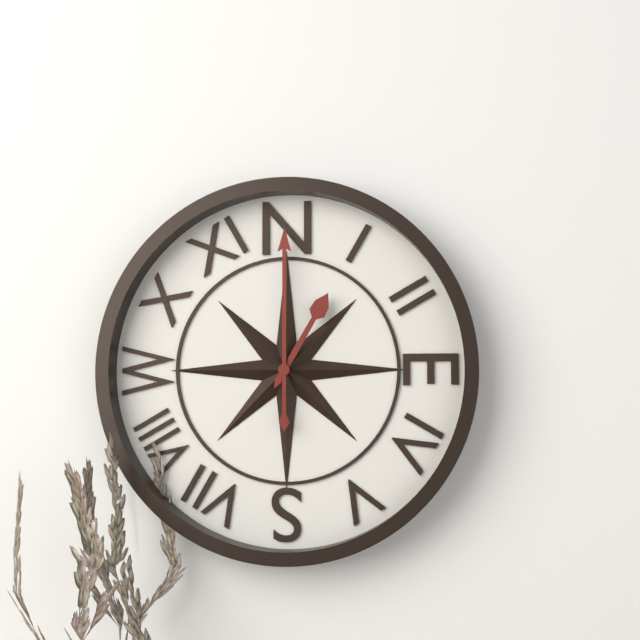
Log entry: 1:00
